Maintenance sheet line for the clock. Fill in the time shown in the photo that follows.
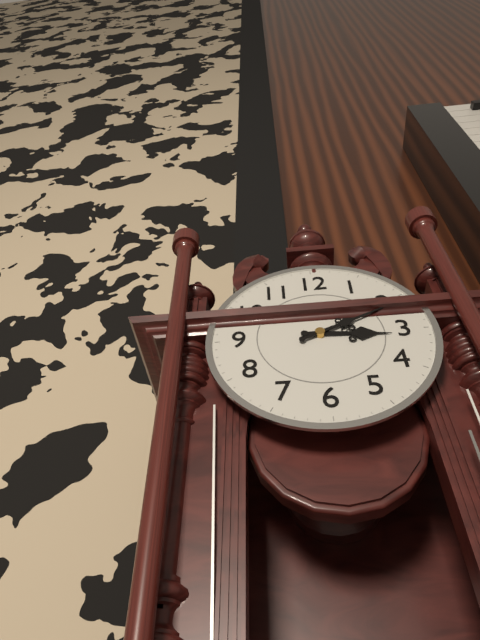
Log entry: 3:11
